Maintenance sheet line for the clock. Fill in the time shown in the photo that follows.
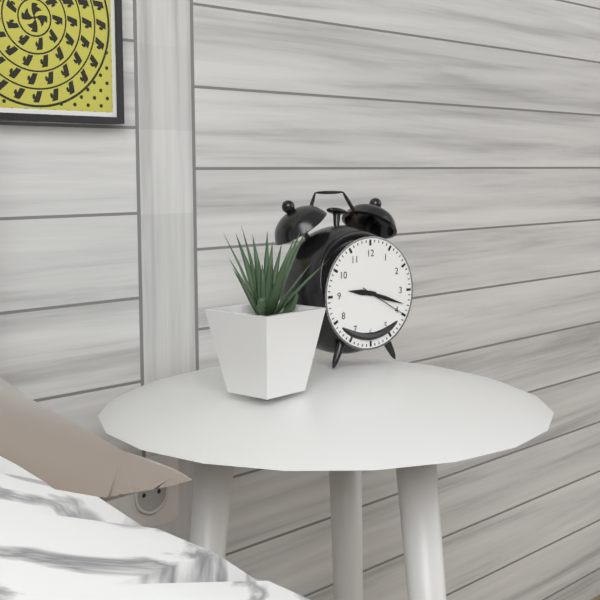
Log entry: 9:18
